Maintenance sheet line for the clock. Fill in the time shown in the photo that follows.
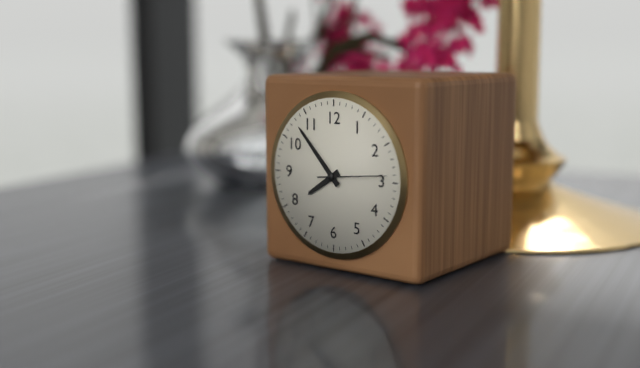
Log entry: 7:53:14
